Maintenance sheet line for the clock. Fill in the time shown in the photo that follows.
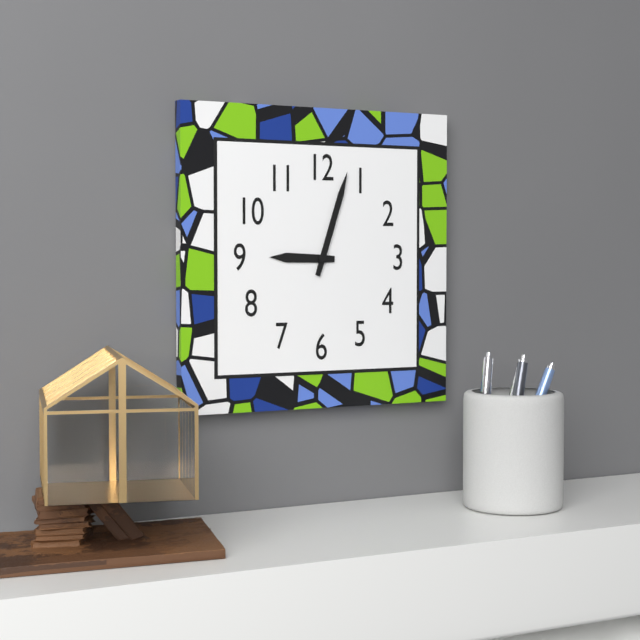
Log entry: 9:03
